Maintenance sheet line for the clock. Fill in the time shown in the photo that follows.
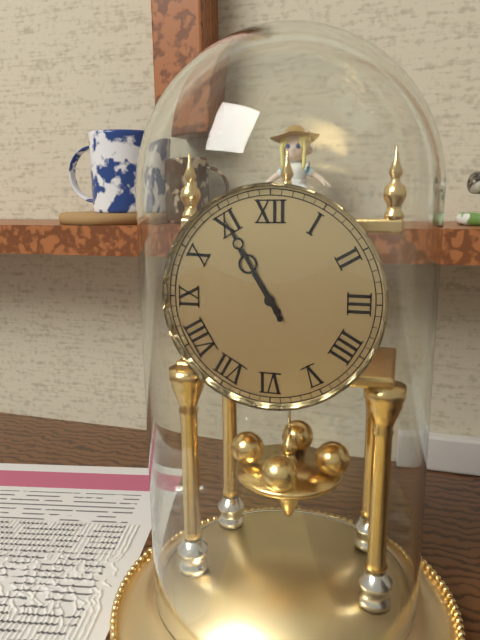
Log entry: 10:55
